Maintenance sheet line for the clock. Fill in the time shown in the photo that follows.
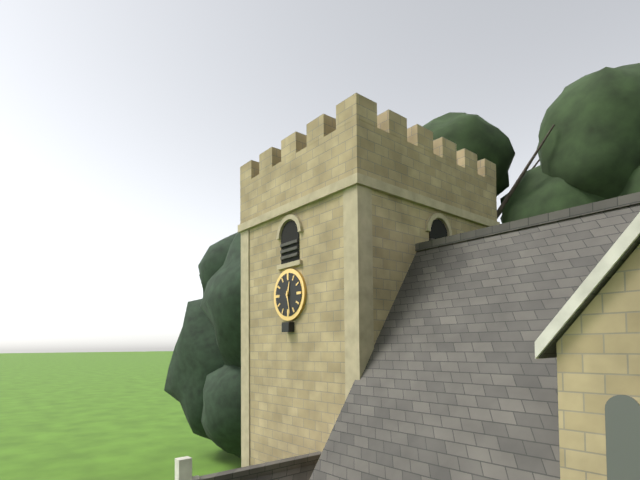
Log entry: 12:28
